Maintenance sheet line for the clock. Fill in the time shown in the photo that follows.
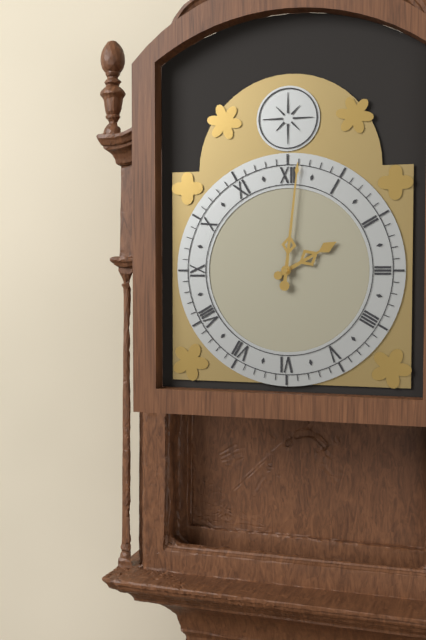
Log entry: 2:01
